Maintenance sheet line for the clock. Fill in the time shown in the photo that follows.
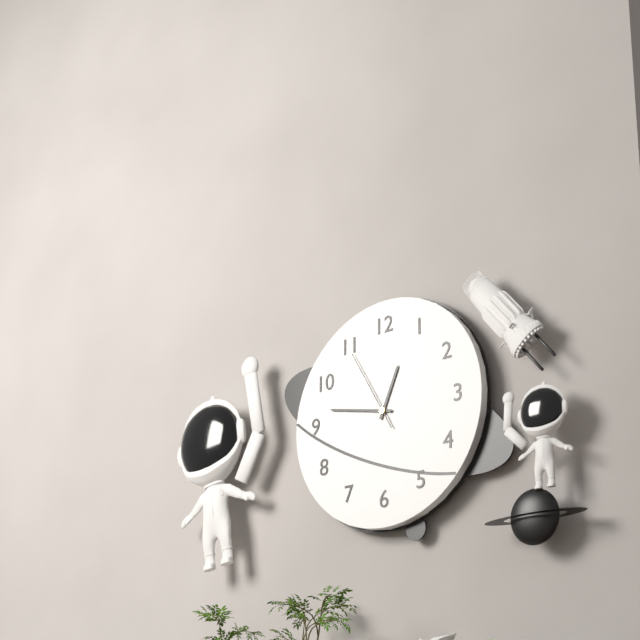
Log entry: 12:47:55
